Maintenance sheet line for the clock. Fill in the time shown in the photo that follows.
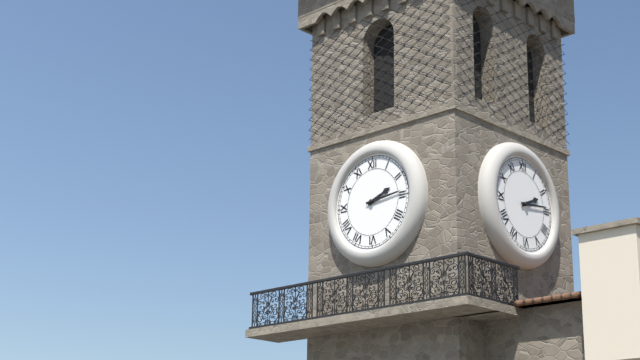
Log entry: 2:14
